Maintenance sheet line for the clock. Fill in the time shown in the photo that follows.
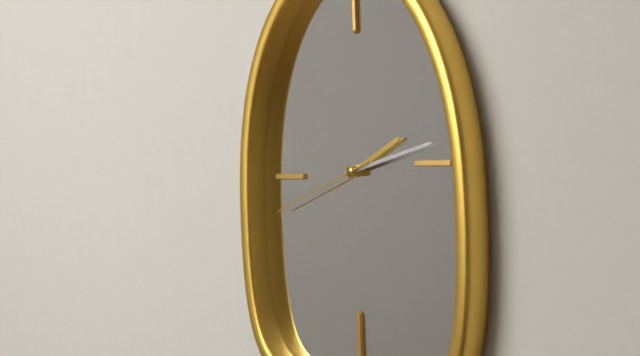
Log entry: 2:13:42
